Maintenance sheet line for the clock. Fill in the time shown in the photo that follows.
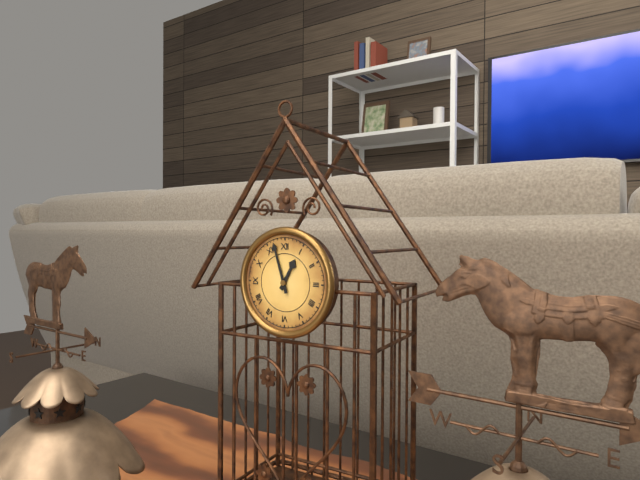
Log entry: 12:57
